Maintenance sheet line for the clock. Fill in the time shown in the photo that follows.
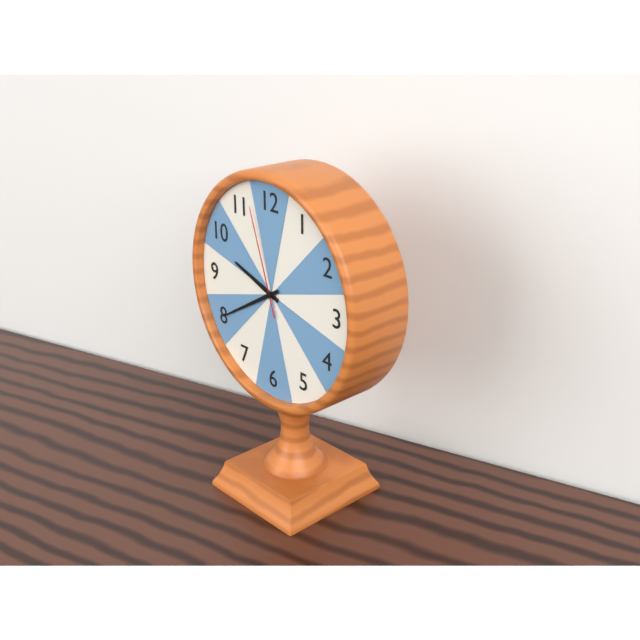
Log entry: 9:40:57
